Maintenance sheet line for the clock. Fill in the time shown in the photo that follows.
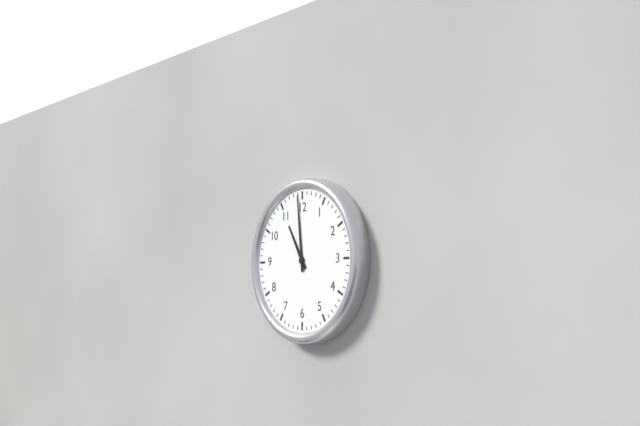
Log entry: 10:59
